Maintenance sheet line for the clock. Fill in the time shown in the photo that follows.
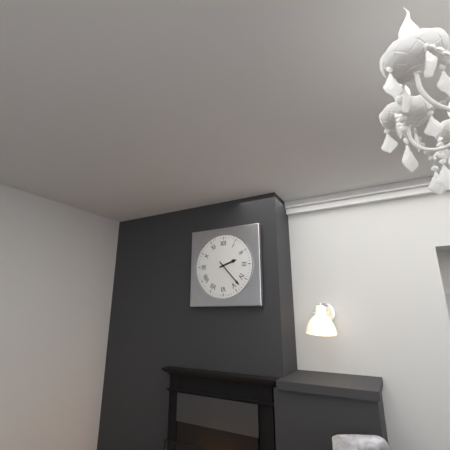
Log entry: 2:23
